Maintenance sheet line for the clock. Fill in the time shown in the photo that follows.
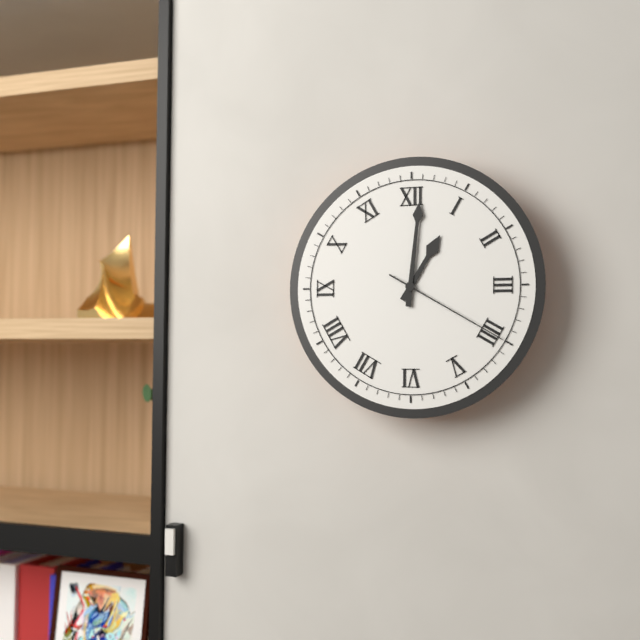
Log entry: 1:01:20
